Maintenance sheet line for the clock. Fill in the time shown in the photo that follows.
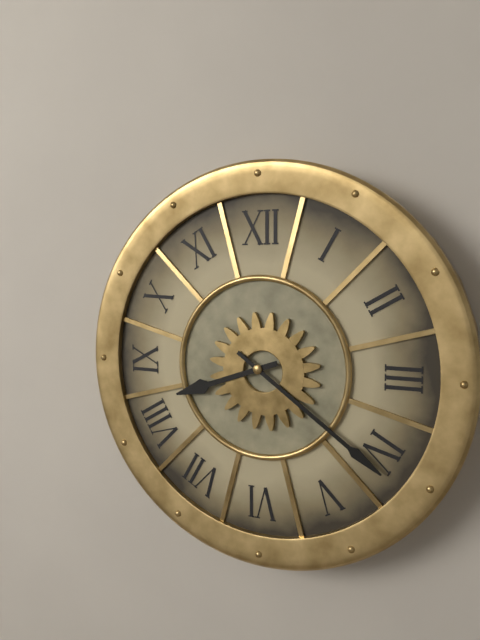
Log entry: 8:21
